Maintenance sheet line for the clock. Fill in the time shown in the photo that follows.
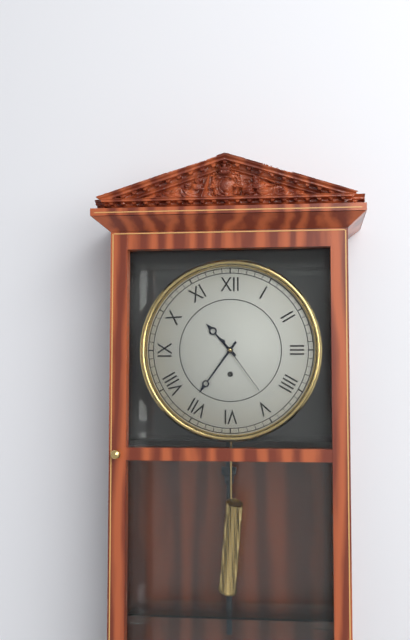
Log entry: 10:36:24
